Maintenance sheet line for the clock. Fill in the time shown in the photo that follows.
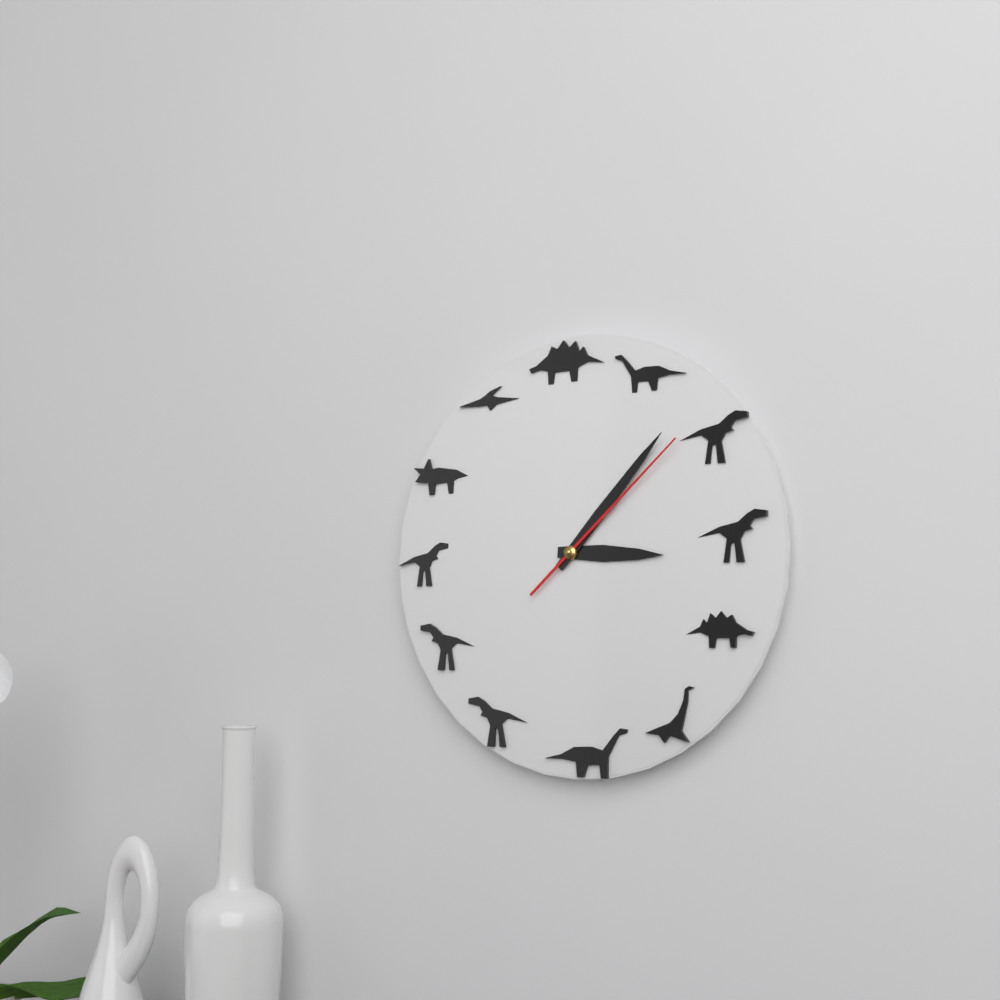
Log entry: 3:07:08
